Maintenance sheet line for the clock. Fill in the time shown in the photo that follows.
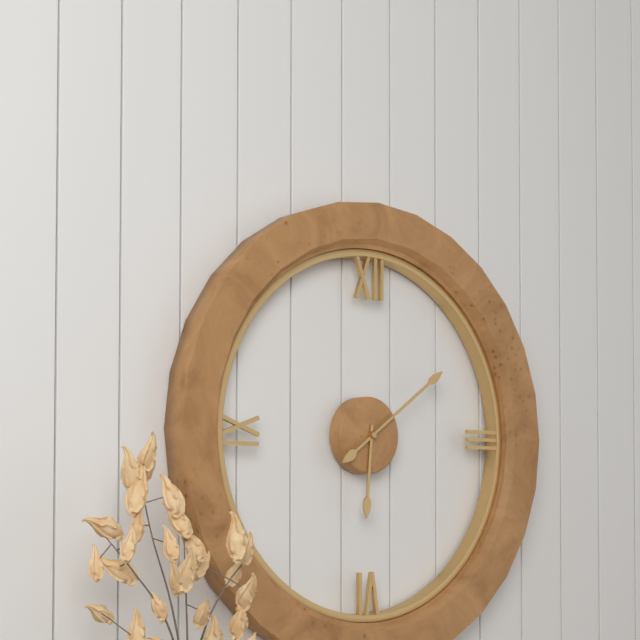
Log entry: 6:09
